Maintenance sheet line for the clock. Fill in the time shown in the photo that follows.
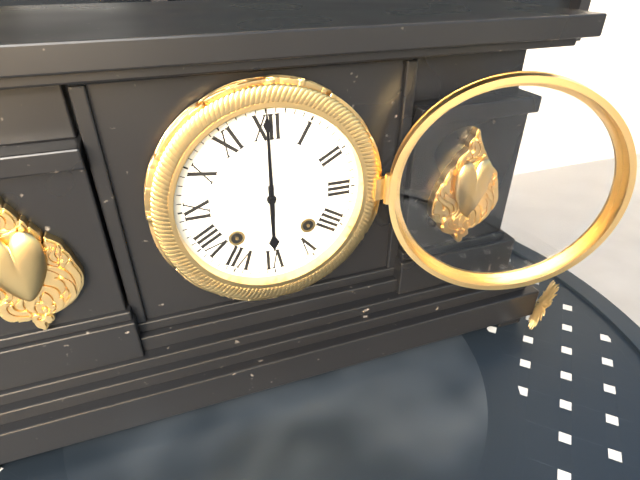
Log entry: 6:00
